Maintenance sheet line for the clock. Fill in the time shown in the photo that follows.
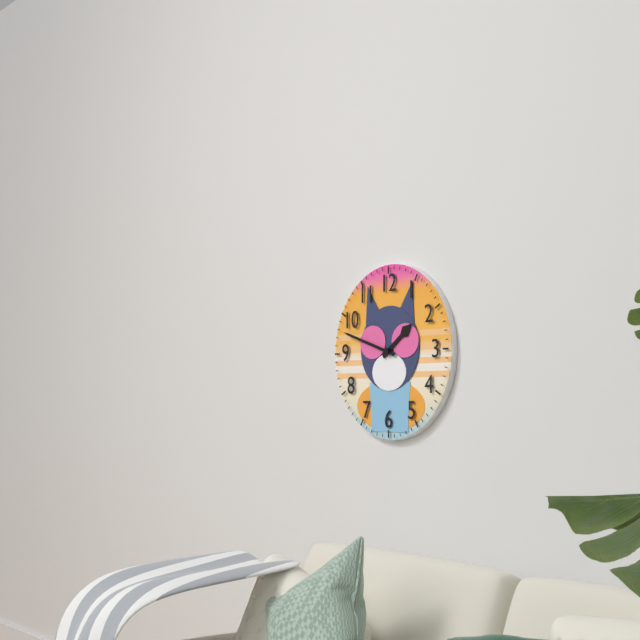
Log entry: 1:48
